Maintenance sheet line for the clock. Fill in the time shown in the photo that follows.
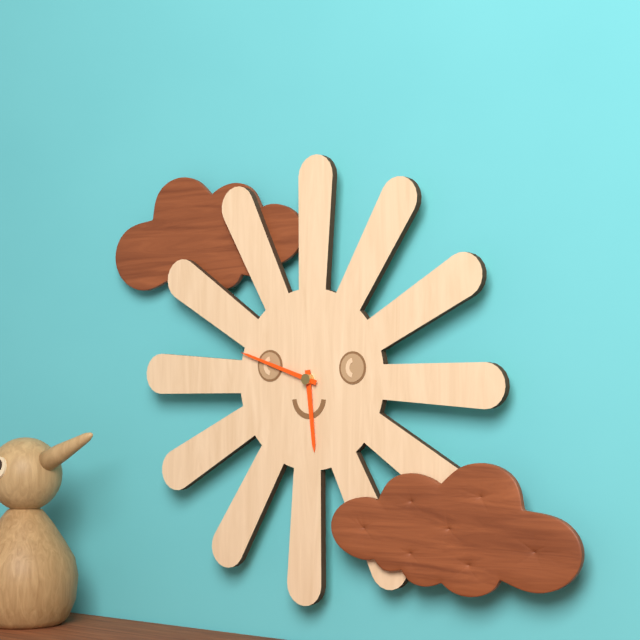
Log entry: 5:48
